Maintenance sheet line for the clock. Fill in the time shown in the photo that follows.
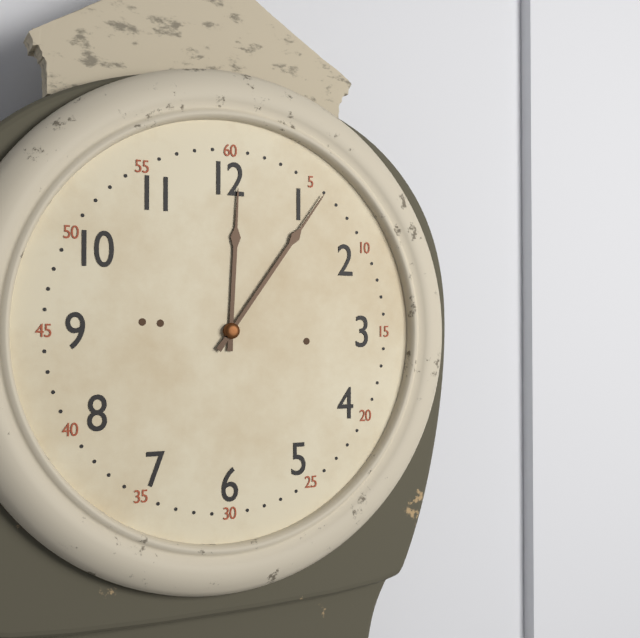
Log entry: 12:06
